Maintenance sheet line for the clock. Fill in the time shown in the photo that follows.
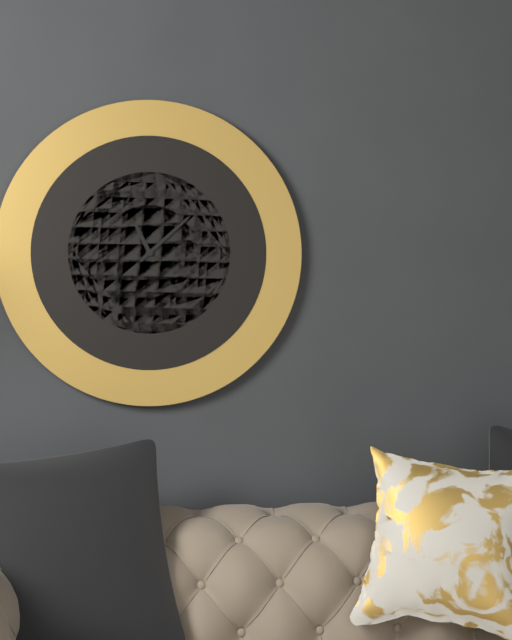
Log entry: 11:08
